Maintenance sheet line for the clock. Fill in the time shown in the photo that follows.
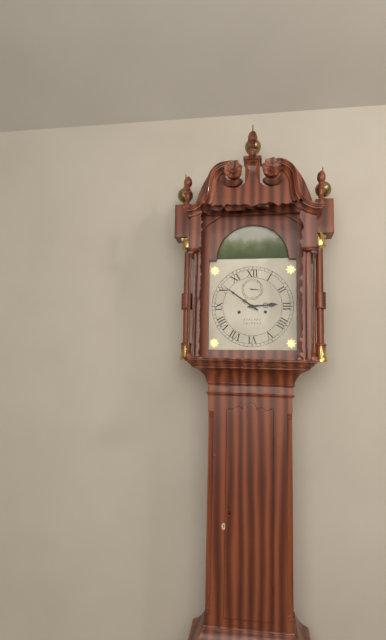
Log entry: 2:51
